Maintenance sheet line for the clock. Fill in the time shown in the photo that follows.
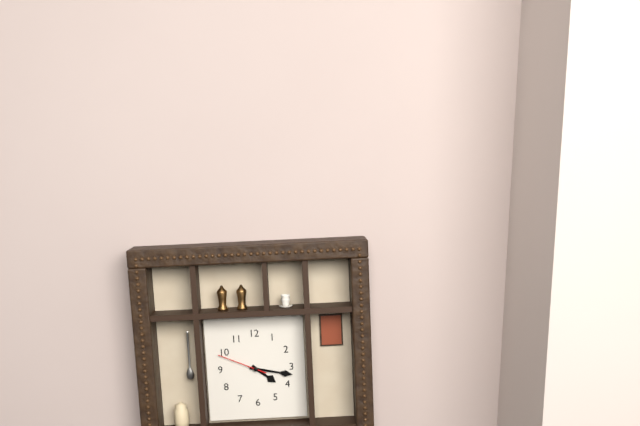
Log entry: 4:17:49
